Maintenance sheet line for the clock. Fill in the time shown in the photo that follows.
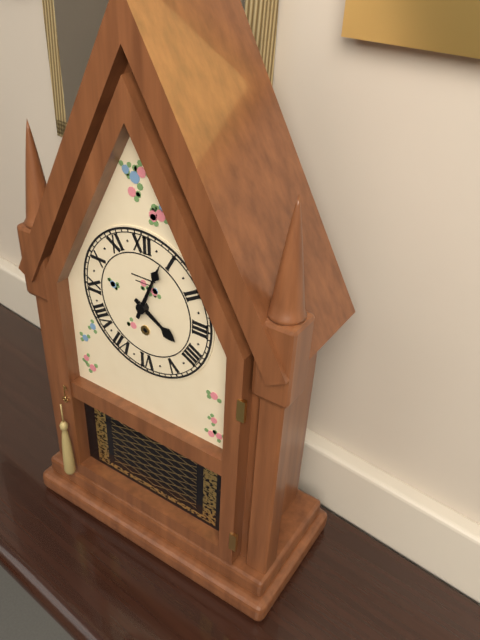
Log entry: 4:04
